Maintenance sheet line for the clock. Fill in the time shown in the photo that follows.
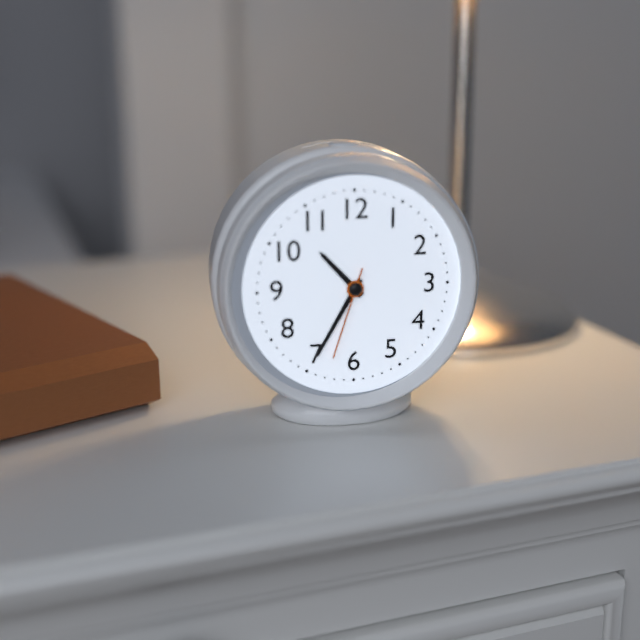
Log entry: 10:35:33
